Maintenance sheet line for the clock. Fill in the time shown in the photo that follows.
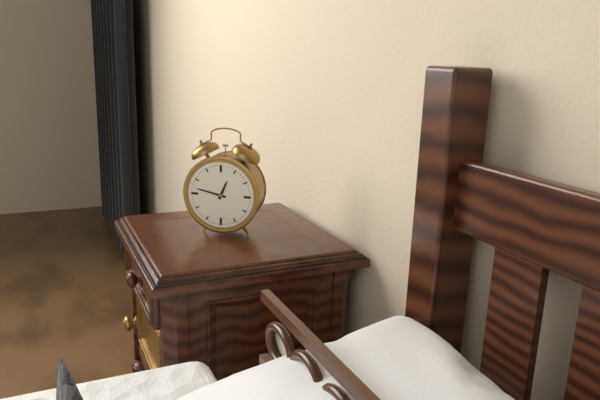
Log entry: 12:47
